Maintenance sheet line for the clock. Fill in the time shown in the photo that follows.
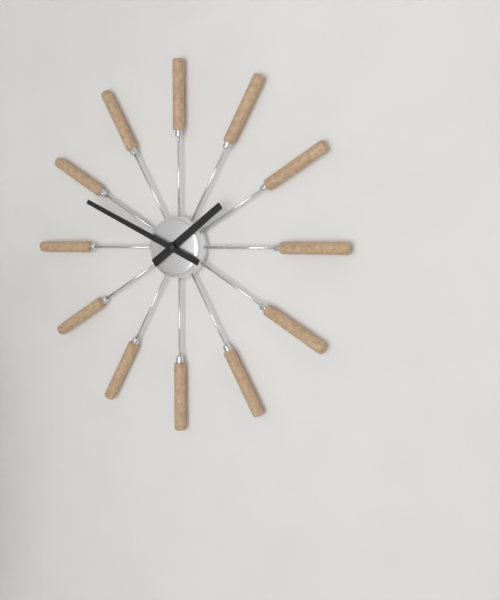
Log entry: 1:49
